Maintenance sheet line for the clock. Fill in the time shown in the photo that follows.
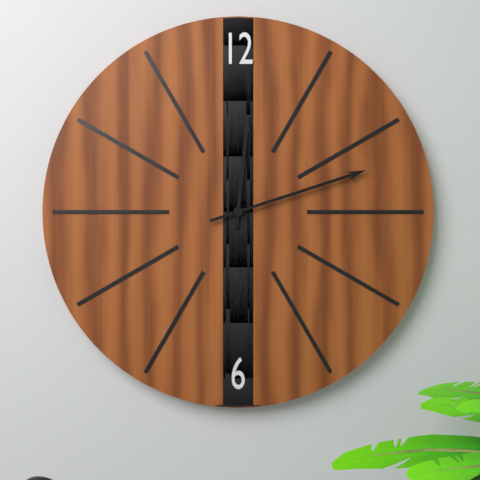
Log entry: 12:12
